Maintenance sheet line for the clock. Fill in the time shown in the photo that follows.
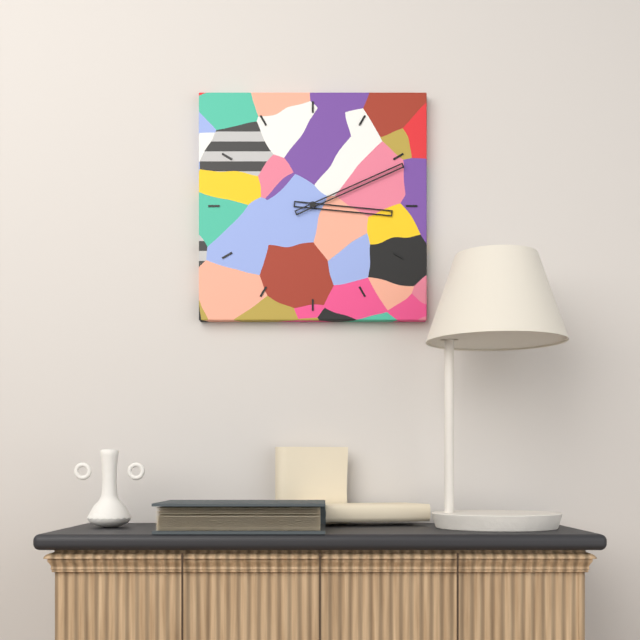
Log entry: 3:11
